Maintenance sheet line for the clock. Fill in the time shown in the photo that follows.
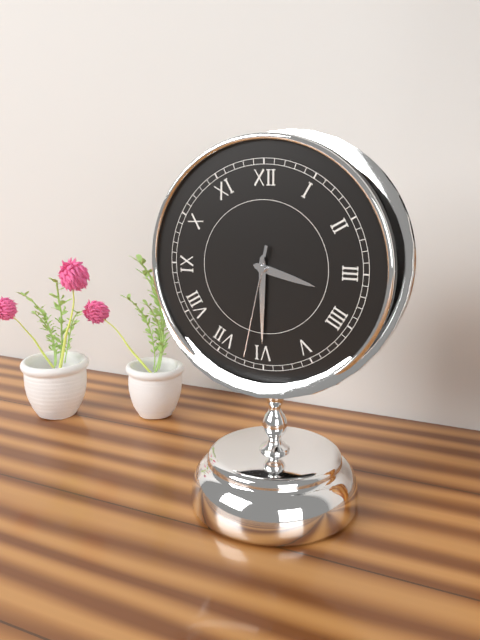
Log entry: 3:30:32
